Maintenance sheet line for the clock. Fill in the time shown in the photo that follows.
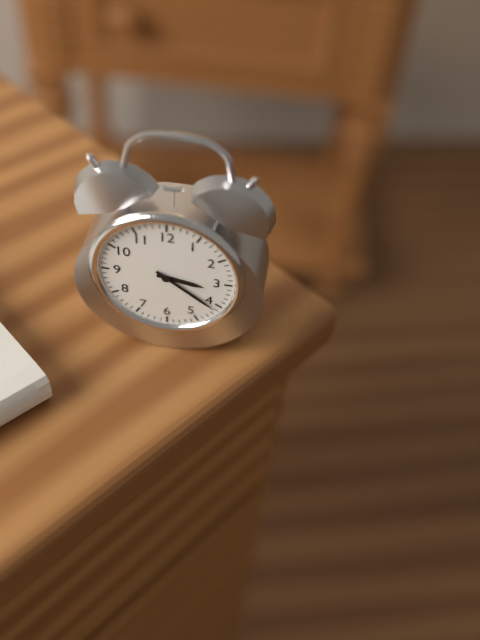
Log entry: 3:21
